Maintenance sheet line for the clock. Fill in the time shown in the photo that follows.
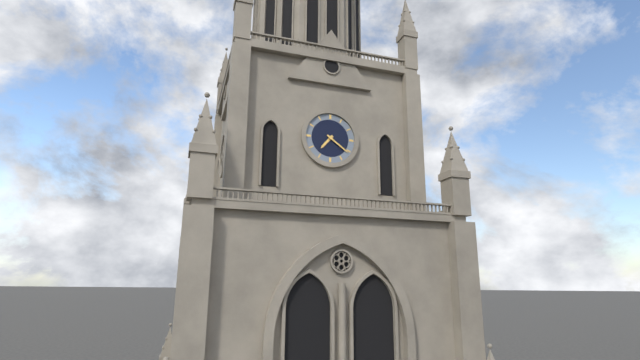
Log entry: 7:21
